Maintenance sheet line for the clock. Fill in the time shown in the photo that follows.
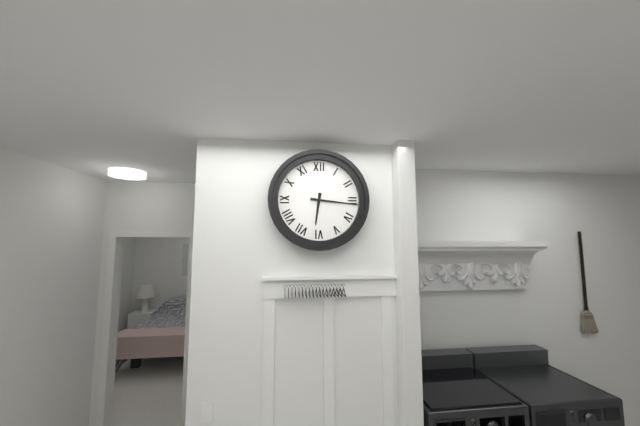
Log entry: 6:16
